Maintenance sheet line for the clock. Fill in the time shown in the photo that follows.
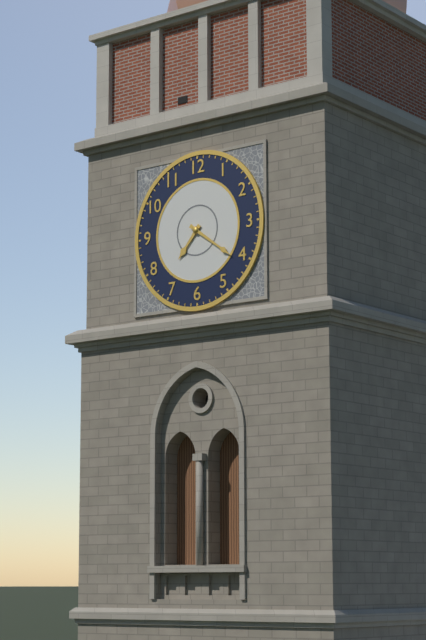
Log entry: 7:21
